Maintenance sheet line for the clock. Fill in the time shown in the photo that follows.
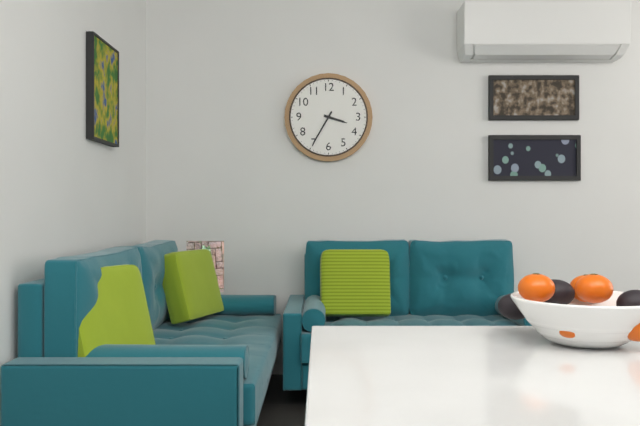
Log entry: 3:35
